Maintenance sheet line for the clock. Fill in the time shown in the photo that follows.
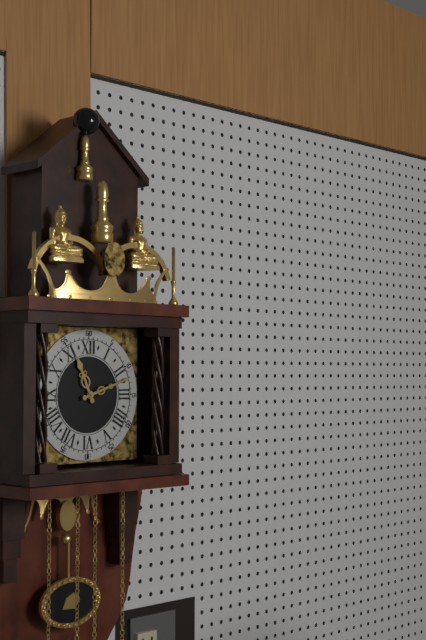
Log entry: 11:12
